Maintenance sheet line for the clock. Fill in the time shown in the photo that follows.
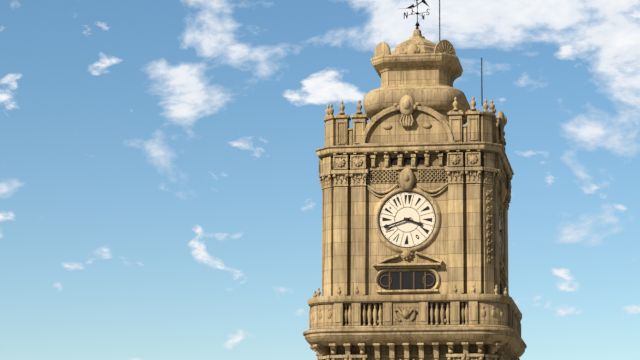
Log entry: 3:42
